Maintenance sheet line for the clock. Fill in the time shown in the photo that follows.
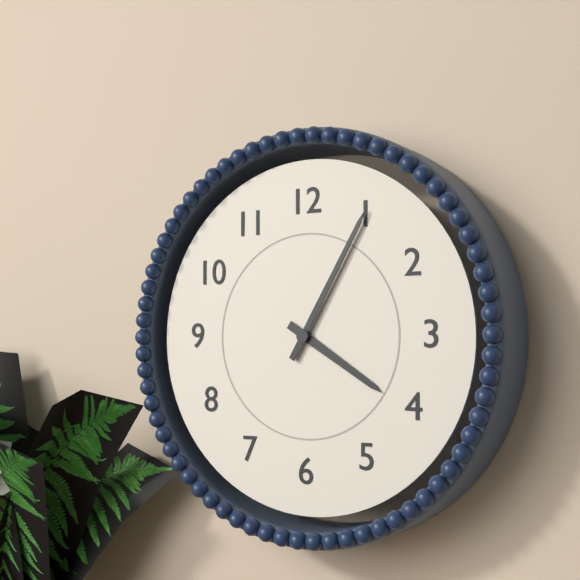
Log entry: 4:05
